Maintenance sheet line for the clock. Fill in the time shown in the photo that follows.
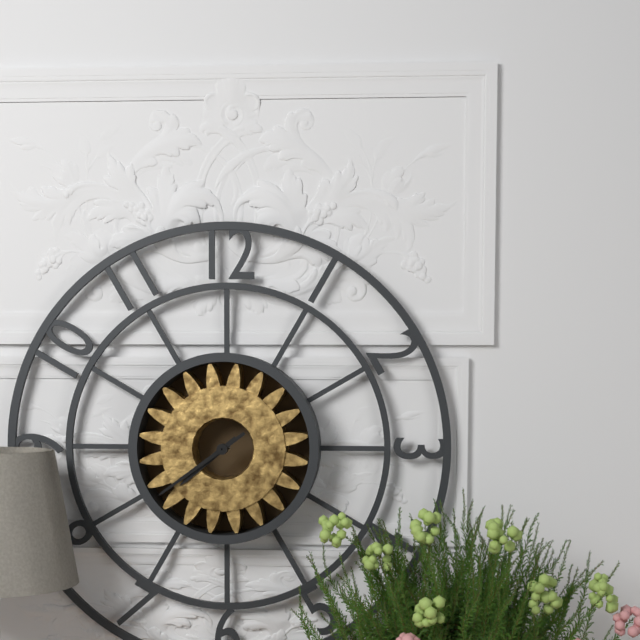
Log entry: 7:39
